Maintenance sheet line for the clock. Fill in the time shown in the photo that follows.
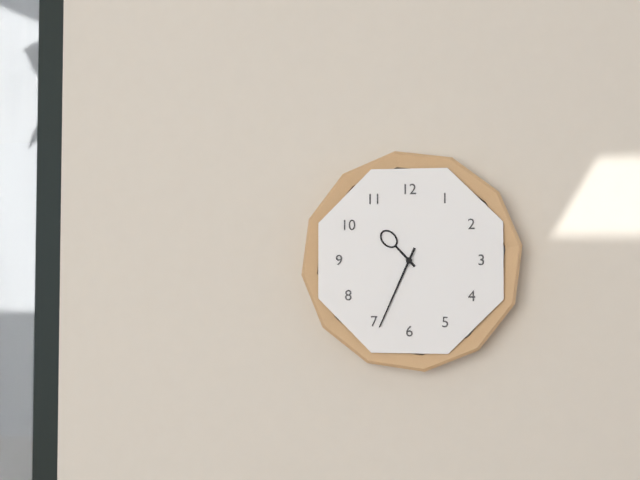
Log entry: 10:34
